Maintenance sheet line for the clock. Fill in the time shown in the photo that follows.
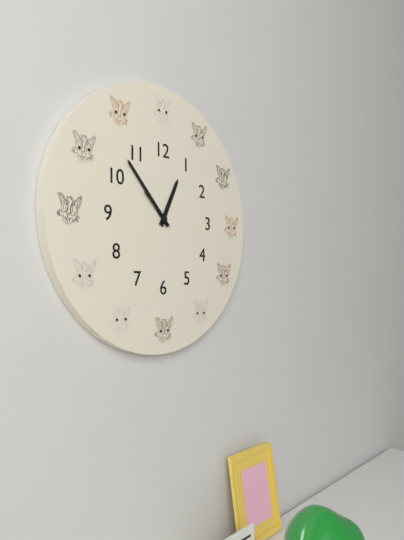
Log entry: 12:53
